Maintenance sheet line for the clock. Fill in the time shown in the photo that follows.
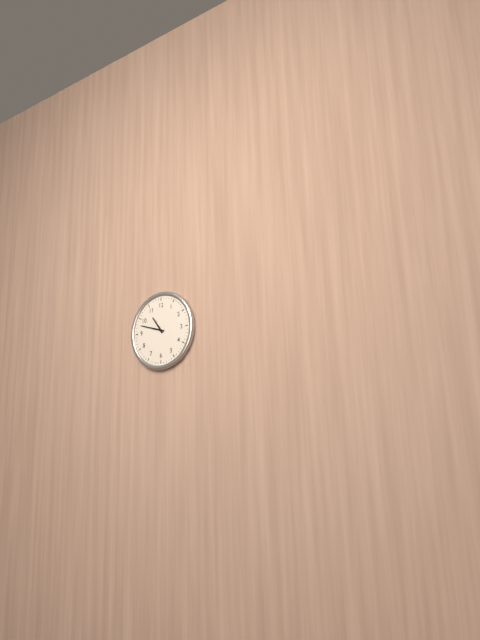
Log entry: 10:48
